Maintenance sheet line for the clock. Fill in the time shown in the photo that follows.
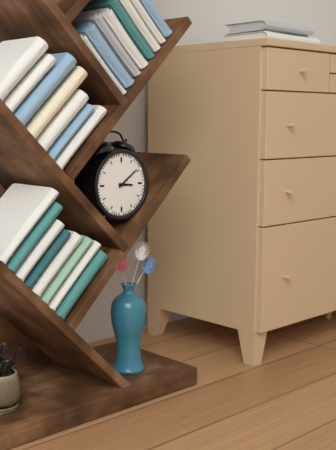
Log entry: 3:09
